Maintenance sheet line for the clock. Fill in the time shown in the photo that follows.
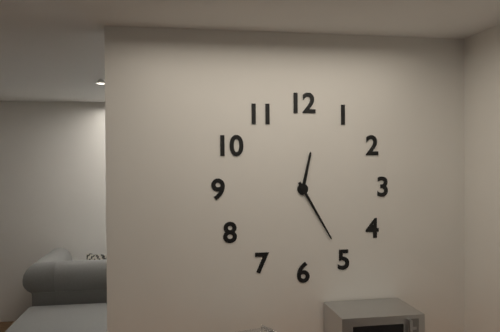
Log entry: 12:25
